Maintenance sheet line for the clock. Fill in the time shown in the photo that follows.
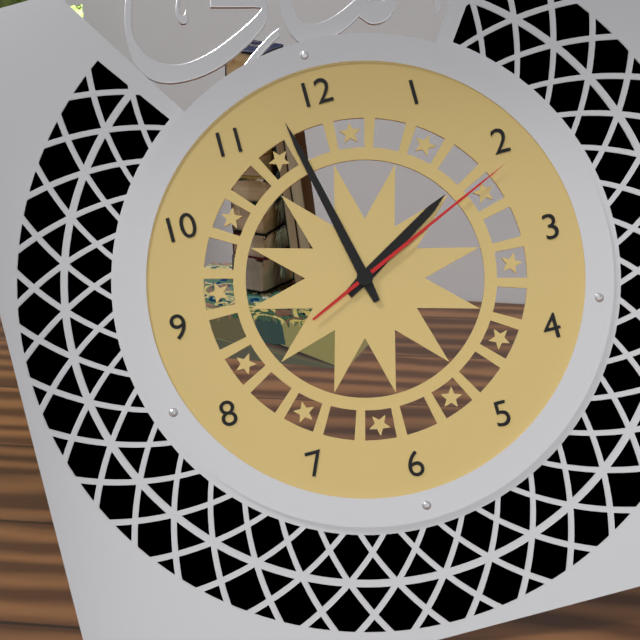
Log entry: 1:58:11
